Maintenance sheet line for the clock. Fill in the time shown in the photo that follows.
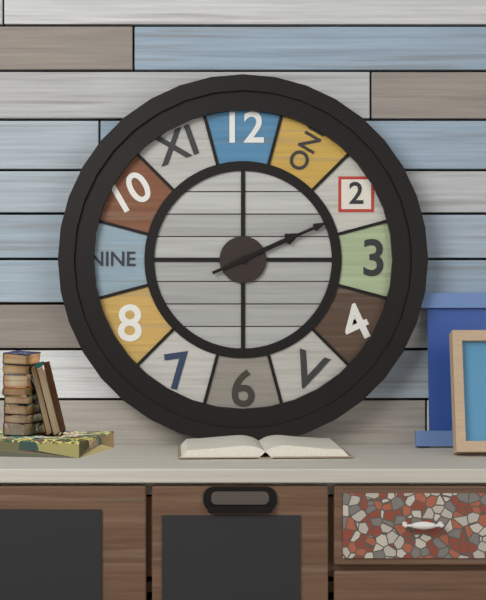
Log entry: 2:11
